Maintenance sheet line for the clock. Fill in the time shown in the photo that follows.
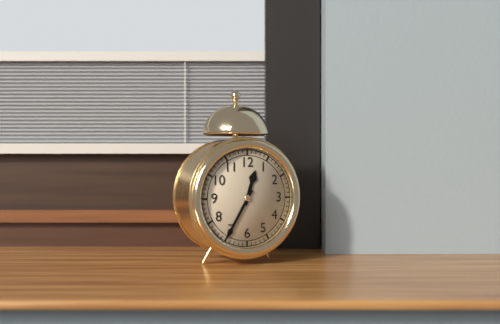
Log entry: 12:35
